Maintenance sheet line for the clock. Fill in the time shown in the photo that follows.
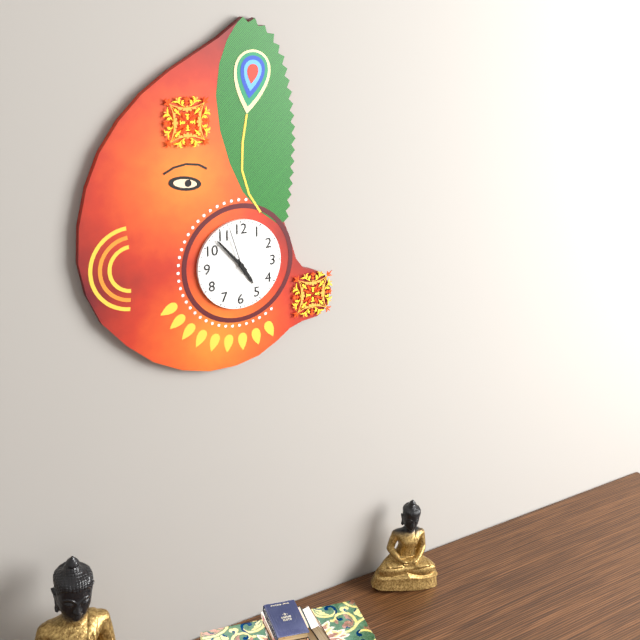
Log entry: 4:53
